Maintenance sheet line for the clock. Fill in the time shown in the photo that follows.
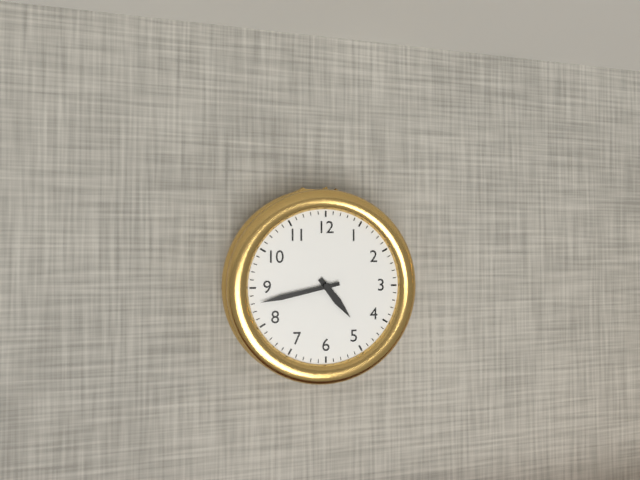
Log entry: 4:43
